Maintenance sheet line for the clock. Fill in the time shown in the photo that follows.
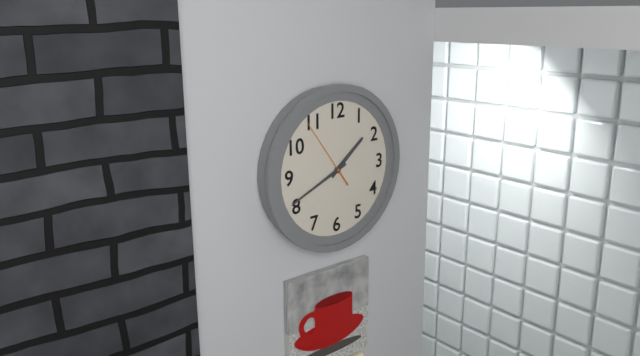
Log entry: 1:41:54
